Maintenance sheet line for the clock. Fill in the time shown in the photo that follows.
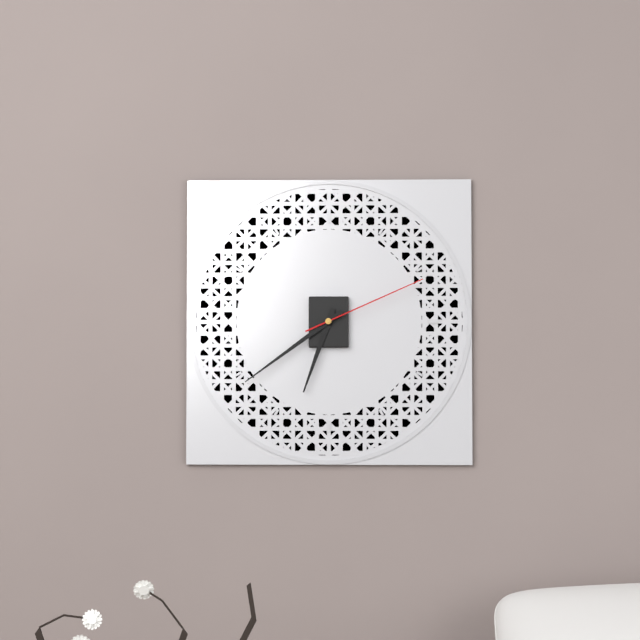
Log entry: 6:39:11
